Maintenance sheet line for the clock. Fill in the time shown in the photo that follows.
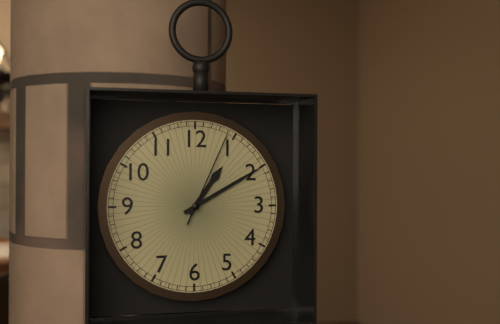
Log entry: 1:10:04
